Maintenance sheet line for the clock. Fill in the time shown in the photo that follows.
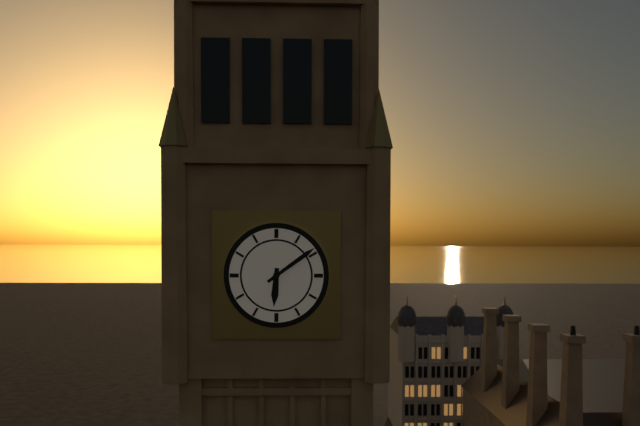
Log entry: 6:09
